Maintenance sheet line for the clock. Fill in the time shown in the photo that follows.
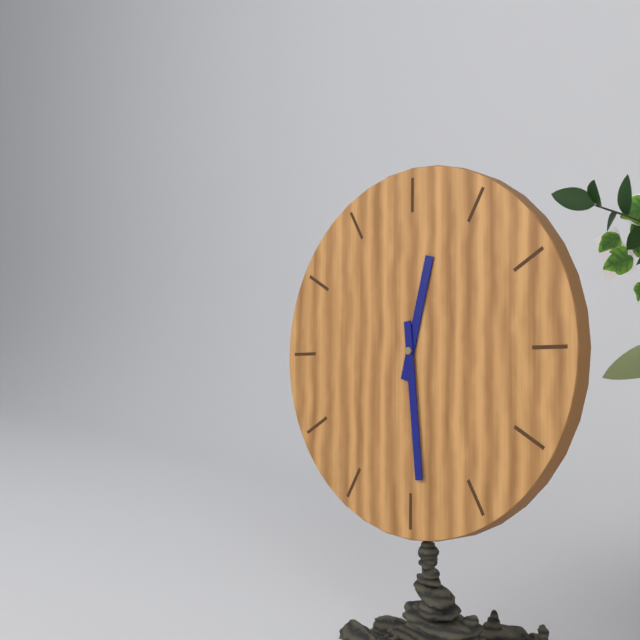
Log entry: 12:29
